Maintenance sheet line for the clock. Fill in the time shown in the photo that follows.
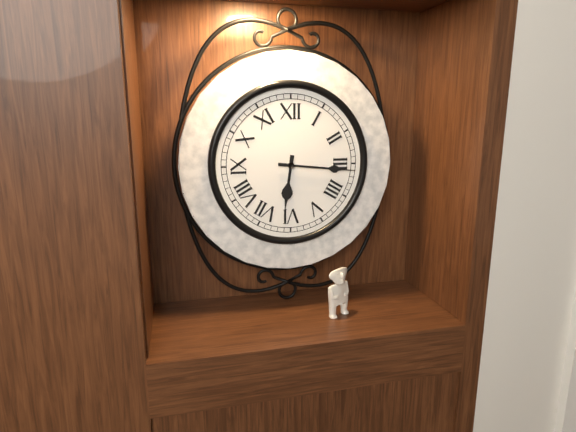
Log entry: 6:16
